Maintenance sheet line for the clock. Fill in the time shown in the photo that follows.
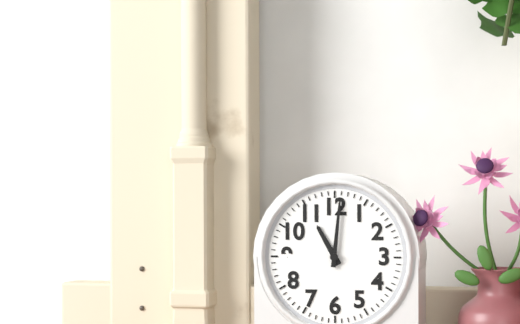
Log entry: 11:01
